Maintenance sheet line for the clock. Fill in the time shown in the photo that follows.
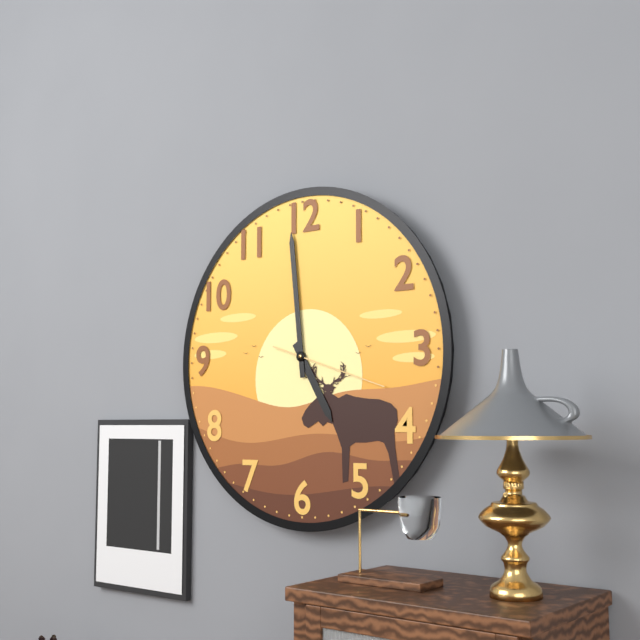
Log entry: 4:59:18
